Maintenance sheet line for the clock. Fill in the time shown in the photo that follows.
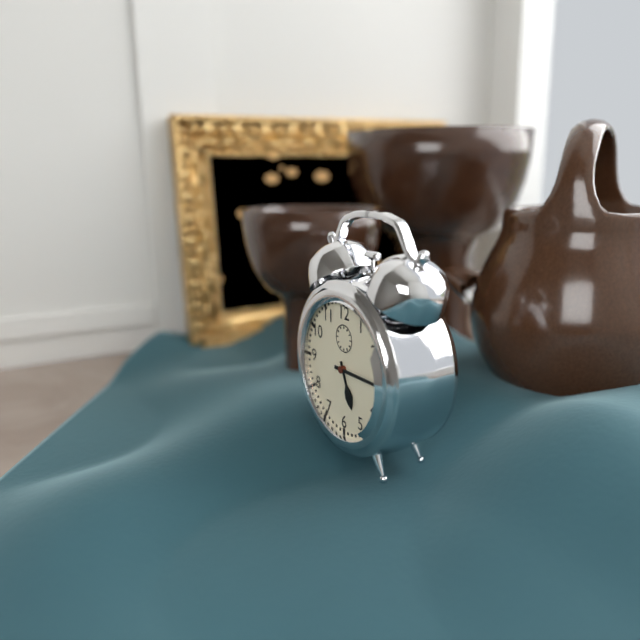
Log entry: 5:15
